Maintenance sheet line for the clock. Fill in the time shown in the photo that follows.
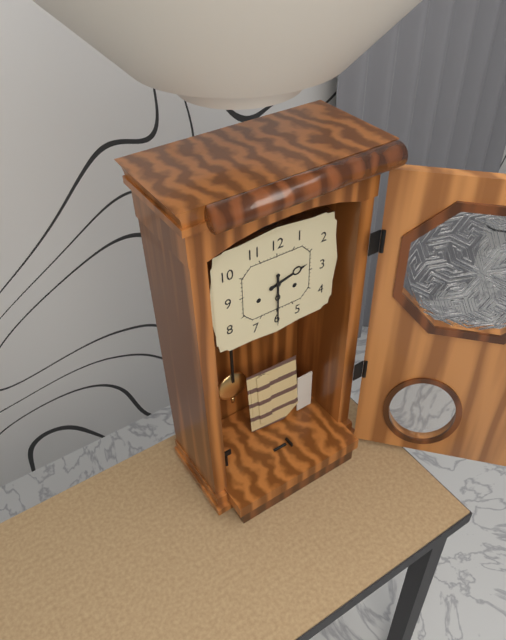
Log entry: 2:30
